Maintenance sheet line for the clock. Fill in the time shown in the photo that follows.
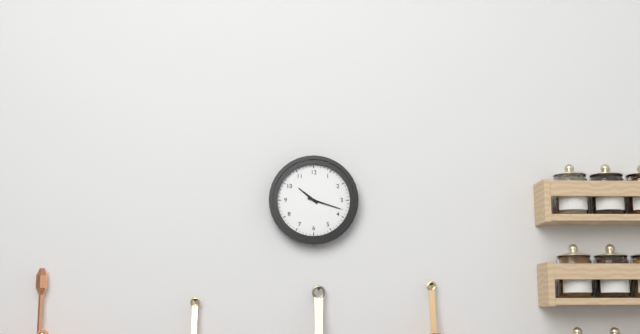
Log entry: 10:18
